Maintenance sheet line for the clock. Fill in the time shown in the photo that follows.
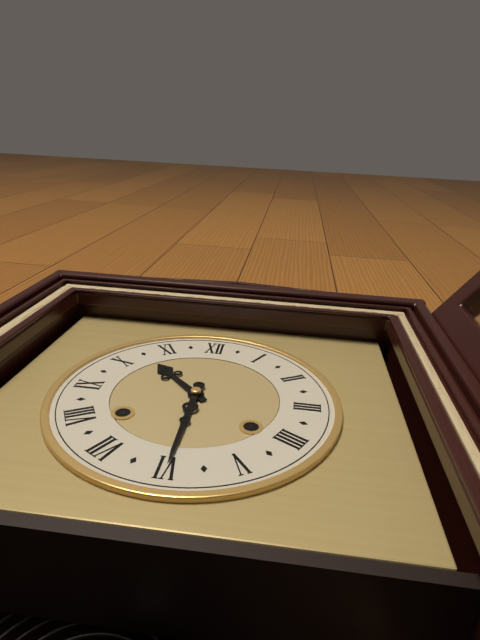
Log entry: 10:30
